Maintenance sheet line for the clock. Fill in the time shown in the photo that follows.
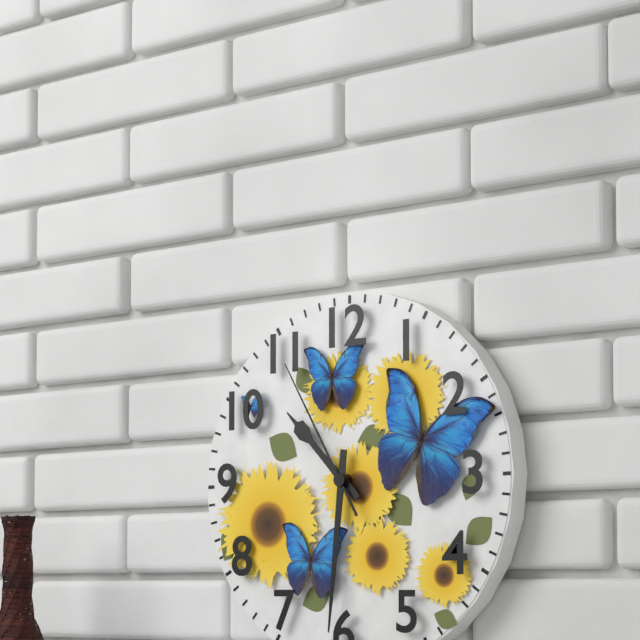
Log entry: 10:31:55
